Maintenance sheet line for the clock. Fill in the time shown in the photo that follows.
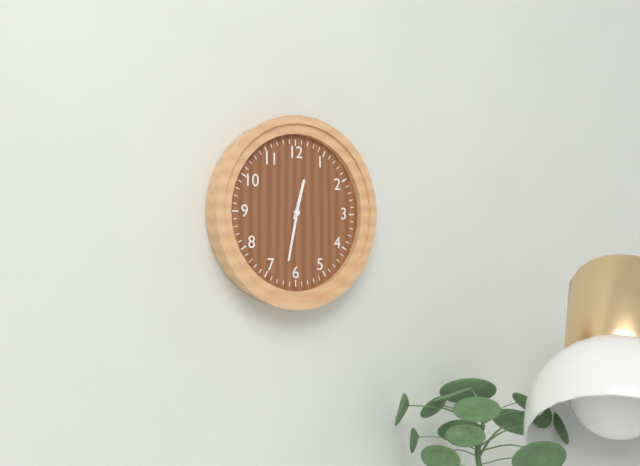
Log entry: 12:32
